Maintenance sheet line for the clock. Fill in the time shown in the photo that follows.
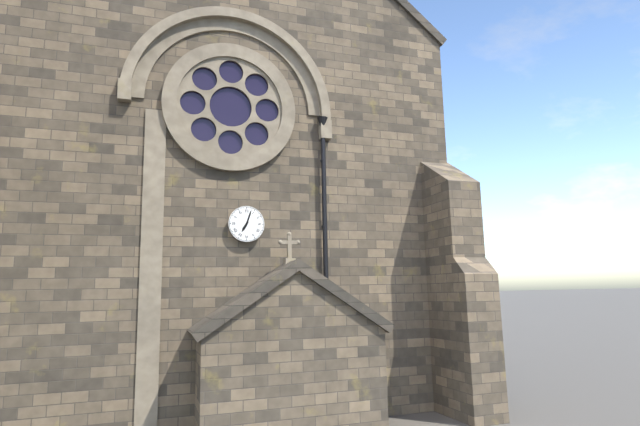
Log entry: 7:03
